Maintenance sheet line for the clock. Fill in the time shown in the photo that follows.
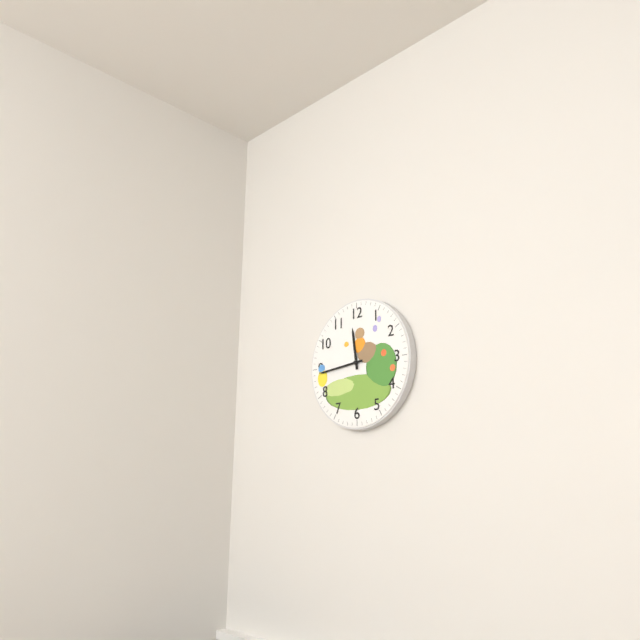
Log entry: 11:44
